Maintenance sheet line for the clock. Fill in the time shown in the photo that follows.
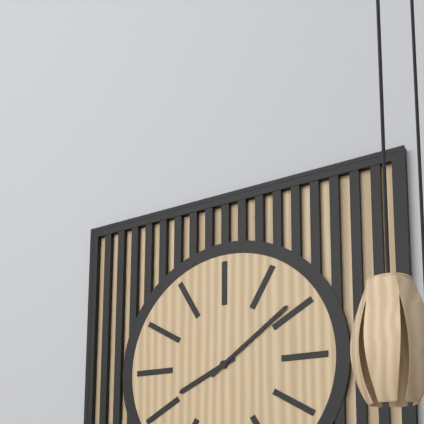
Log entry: 8:09
